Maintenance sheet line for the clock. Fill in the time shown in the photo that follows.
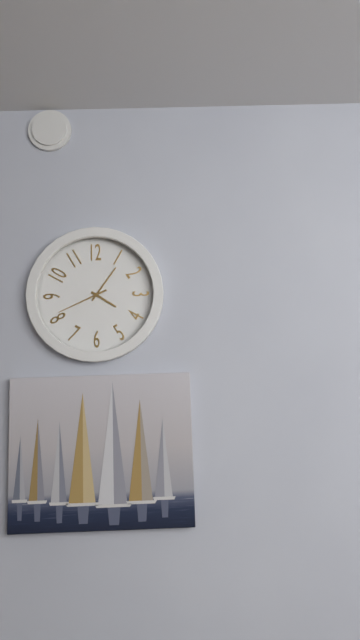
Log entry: 4:06:41
